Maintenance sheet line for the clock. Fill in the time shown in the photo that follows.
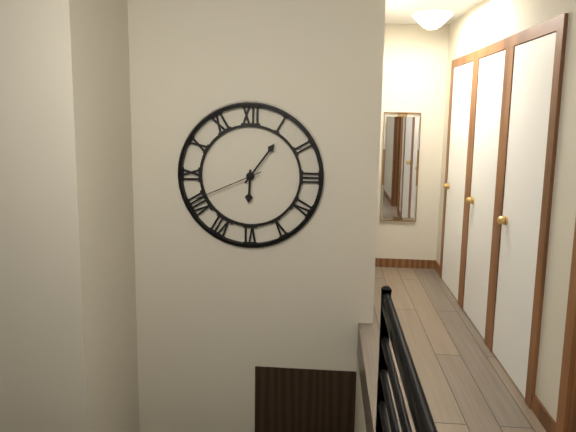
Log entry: 6:06:41
